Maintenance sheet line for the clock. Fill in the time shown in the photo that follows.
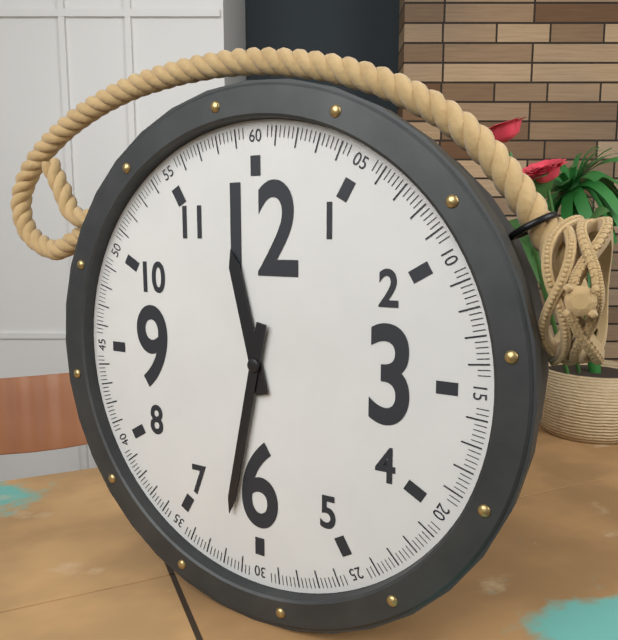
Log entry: 11:32
